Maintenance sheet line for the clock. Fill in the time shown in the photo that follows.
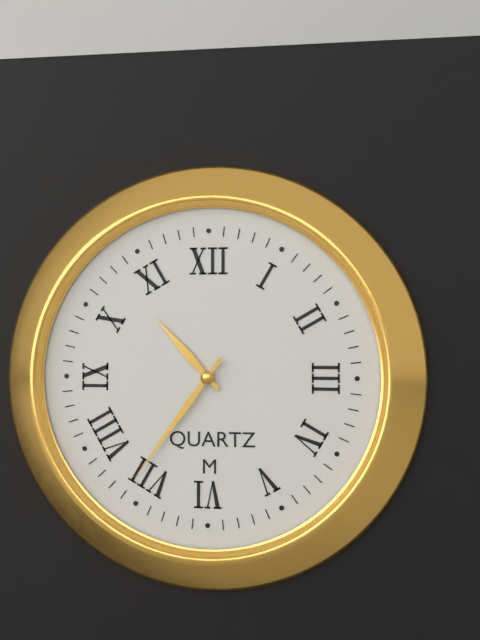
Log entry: 10:36
